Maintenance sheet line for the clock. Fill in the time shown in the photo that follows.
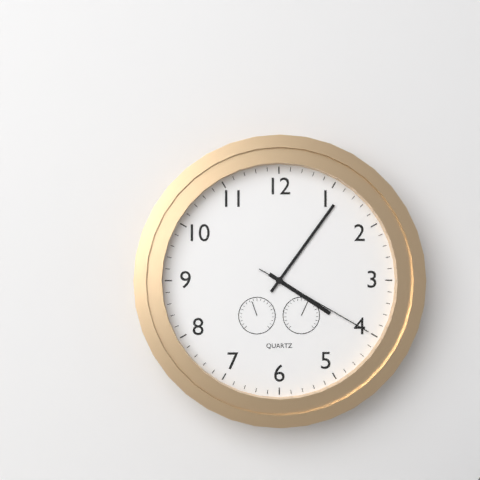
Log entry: 4:06:20
